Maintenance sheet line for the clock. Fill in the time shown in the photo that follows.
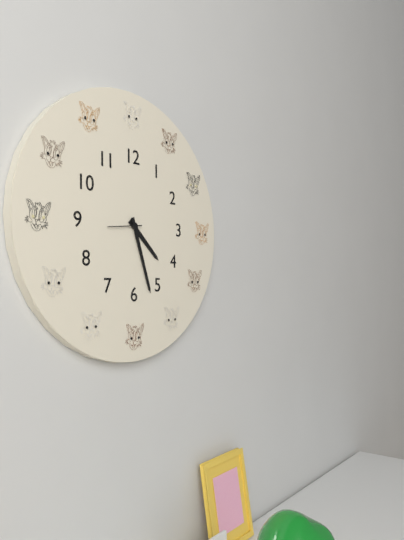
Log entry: 4:27
